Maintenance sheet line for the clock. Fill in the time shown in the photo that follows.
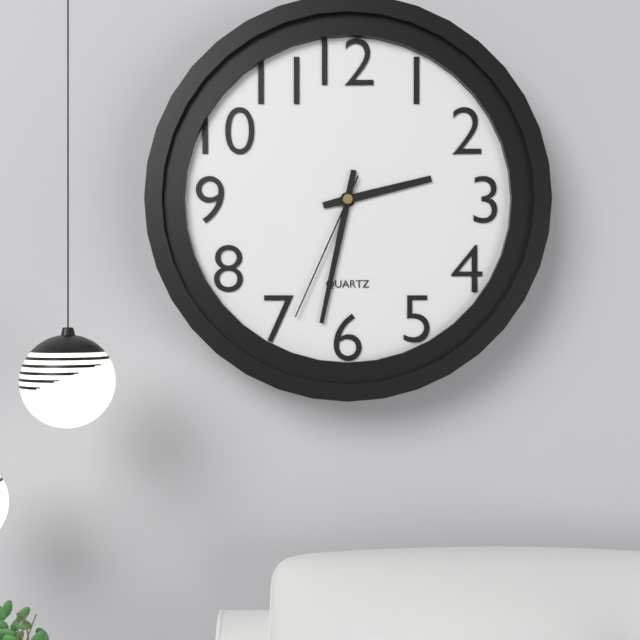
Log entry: 2:32:34
